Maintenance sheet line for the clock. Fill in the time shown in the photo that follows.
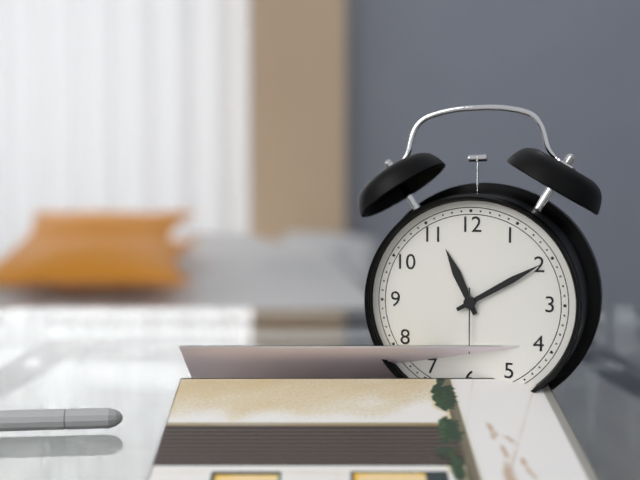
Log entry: 11:10:30
